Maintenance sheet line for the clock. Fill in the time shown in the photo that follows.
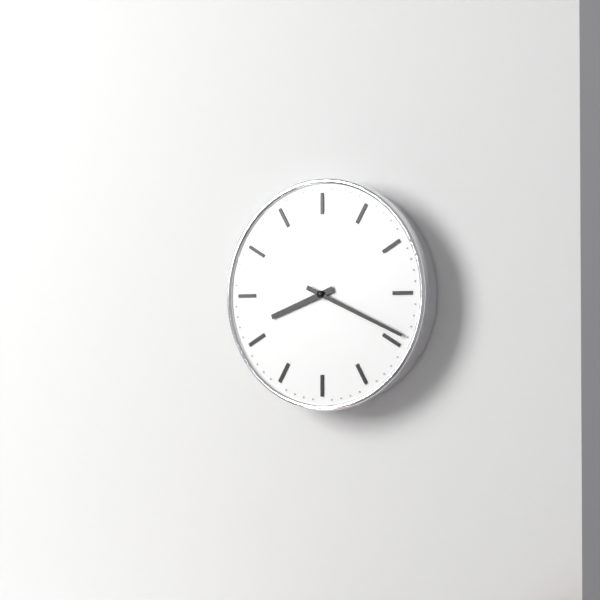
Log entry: 8:19
